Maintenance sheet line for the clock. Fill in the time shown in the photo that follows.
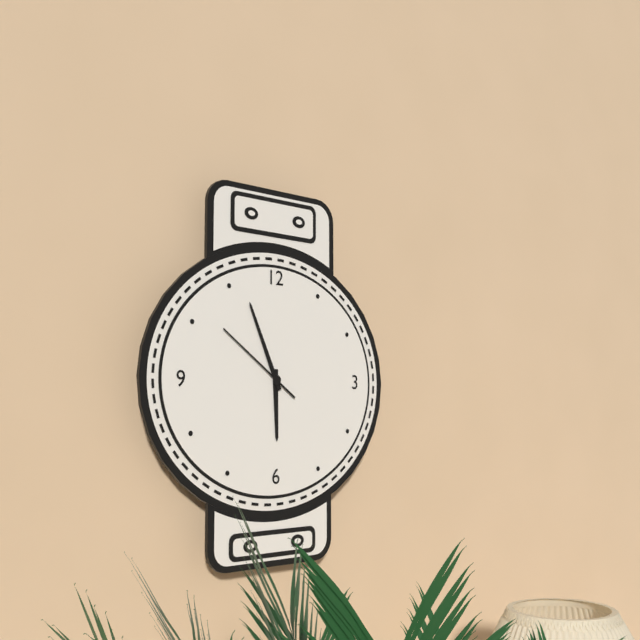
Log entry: 5:56:51
